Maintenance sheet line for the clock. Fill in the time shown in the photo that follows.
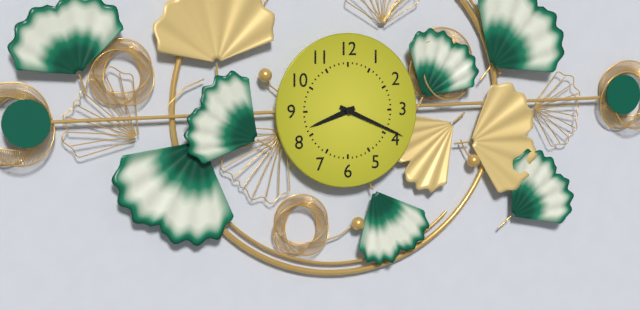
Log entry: 8:19
